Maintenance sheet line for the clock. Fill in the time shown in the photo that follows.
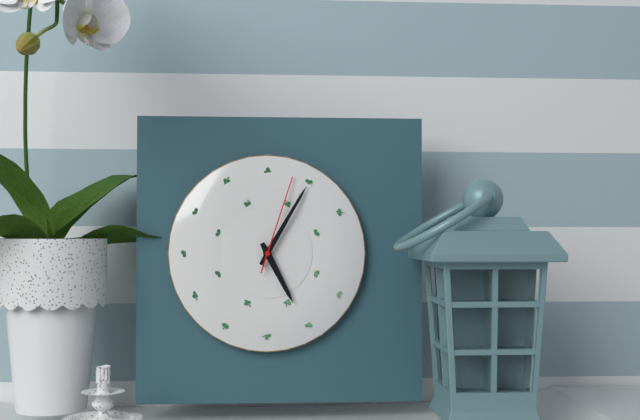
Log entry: 5:05:03
